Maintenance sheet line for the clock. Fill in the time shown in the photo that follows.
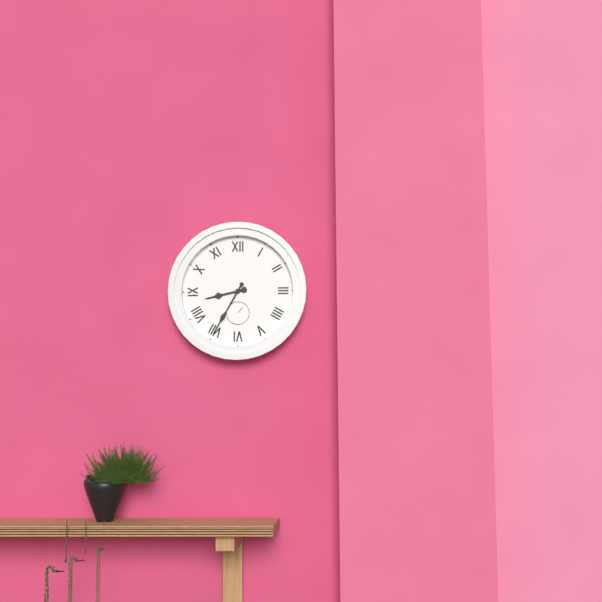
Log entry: 8:35
